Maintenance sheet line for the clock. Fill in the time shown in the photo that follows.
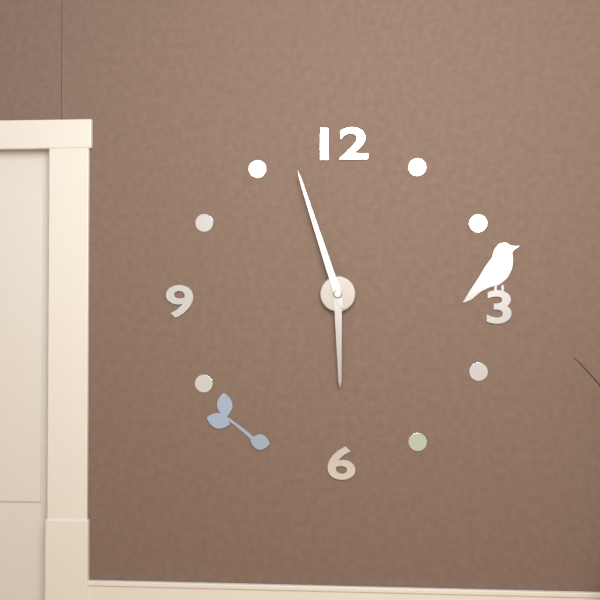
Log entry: 5:57
